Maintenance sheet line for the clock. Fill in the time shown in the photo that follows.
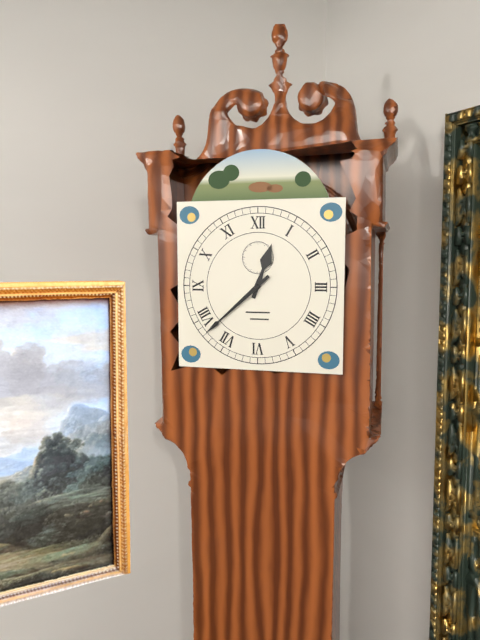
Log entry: 12:38
